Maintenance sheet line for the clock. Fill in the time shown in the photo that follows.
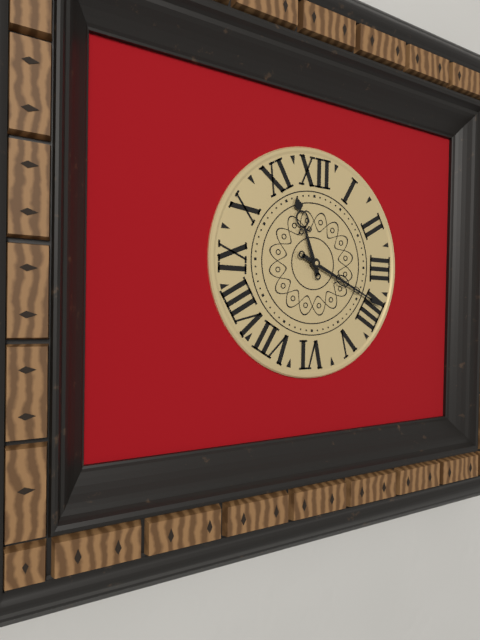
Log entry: 11:19
